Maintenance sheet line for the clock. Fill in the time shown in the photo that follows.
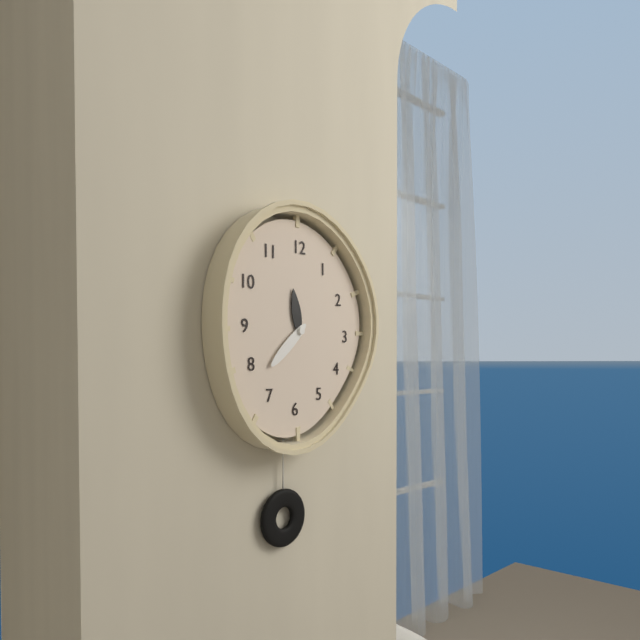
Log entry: 11:38
